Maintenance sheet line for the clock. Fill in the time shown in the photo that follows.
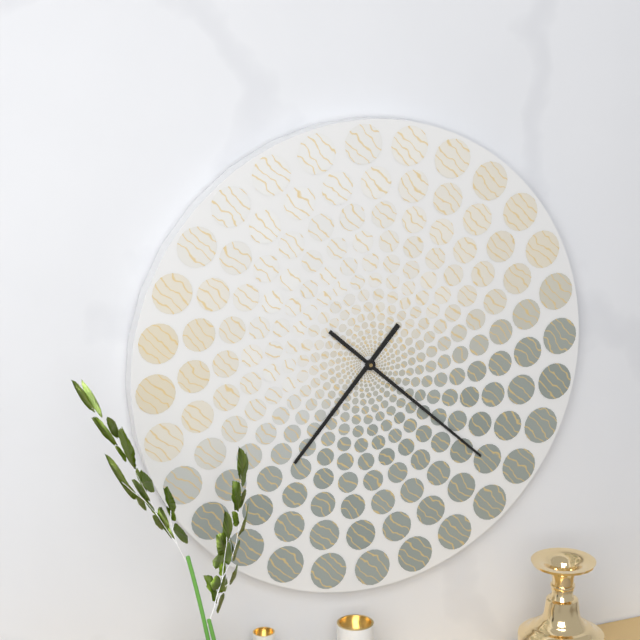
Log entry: 7:22
